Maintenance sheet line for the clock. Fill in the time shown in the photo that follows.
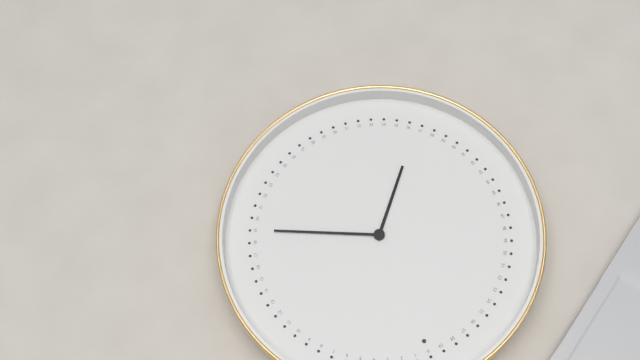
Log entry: 7:19
